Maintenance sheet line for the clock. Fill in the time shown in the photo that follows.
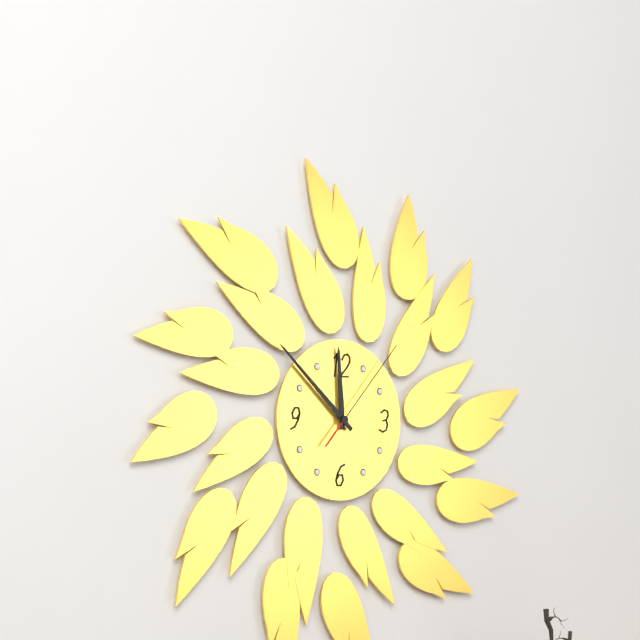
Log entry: 11:52:07
